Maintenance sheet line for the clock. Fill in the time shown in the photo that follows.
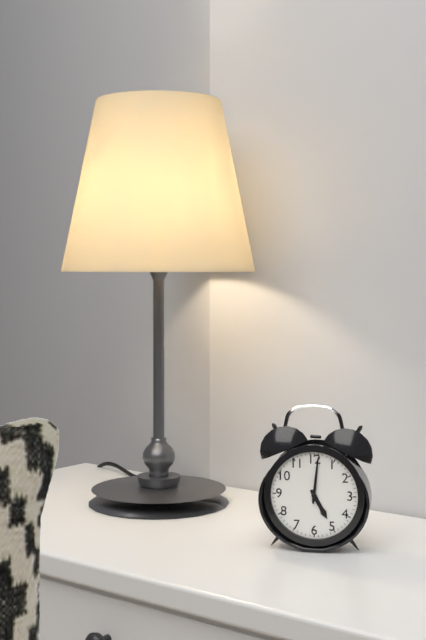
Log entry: 5:01
